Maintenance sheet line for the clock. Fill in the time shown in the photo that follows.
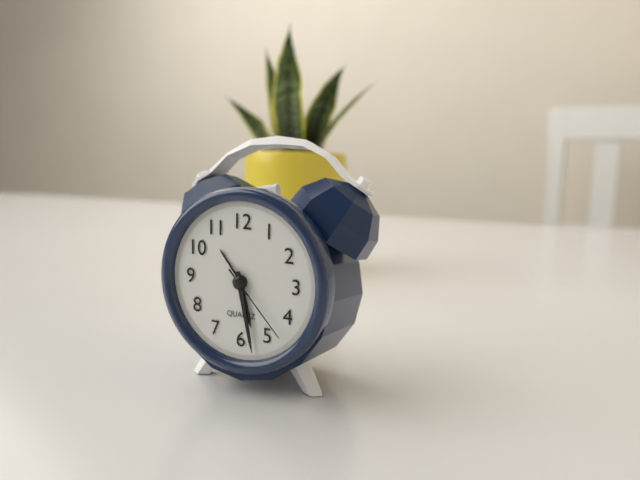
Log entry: 5:28:23
